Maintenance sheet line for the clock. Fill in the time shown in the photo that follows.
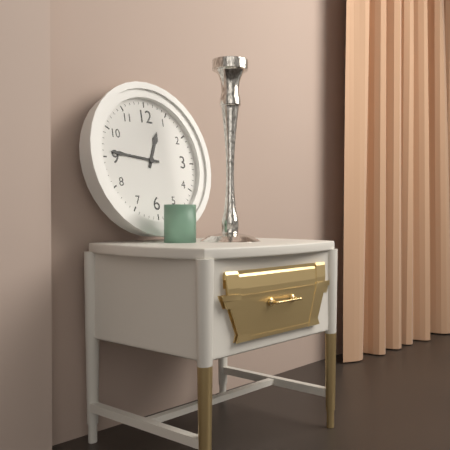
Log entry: 12:46
